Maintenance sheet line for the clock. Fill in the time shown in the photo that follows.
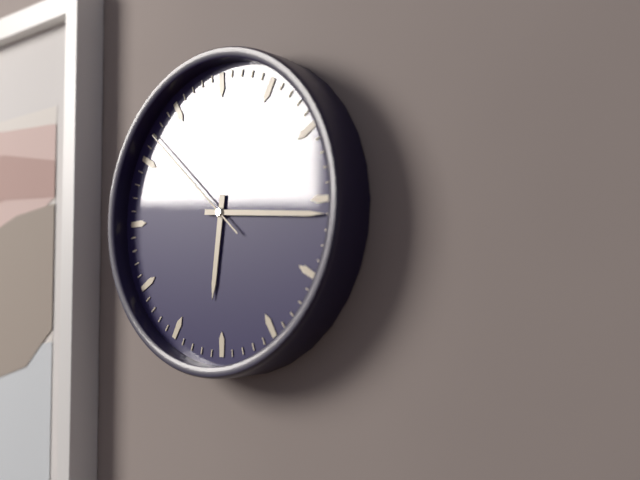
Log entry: 6:16:52
